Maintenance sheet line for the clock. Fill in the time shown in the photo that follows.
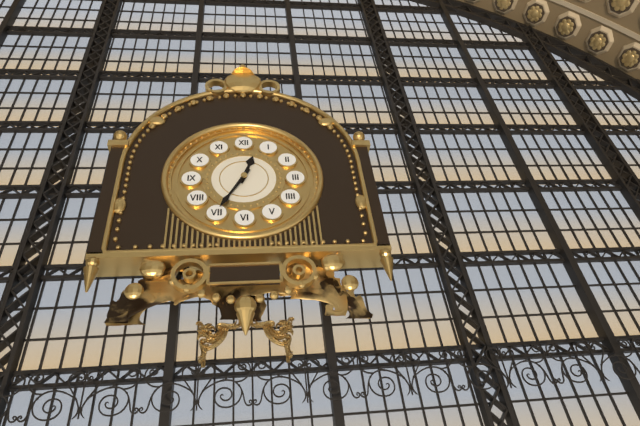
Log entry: 12:35
